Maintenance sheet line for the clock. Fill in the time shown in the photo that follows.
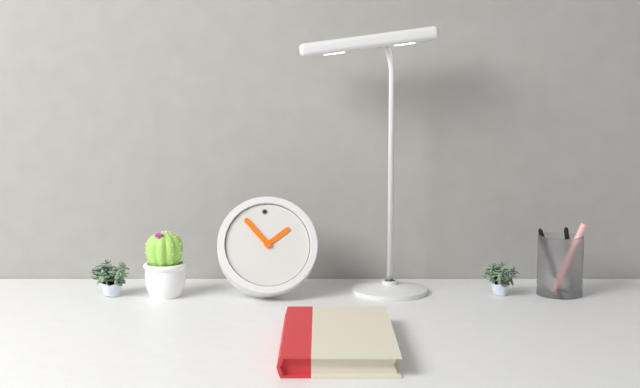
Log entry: 1:54
